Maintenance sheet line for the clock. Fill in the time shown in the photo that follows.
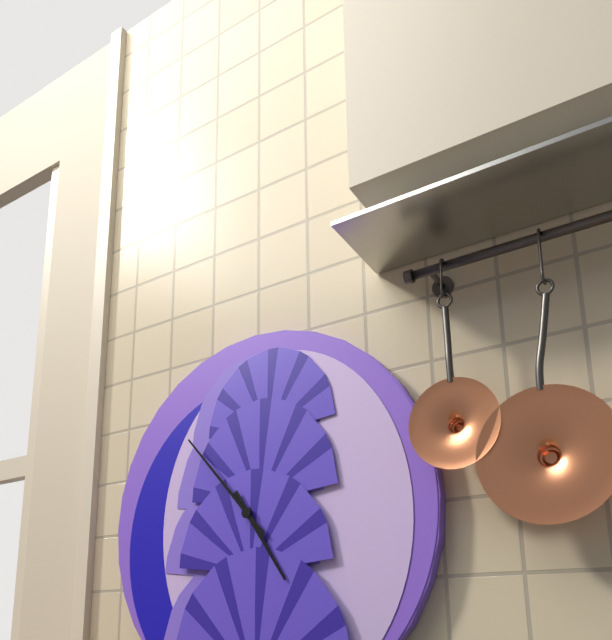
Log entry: 4:53
